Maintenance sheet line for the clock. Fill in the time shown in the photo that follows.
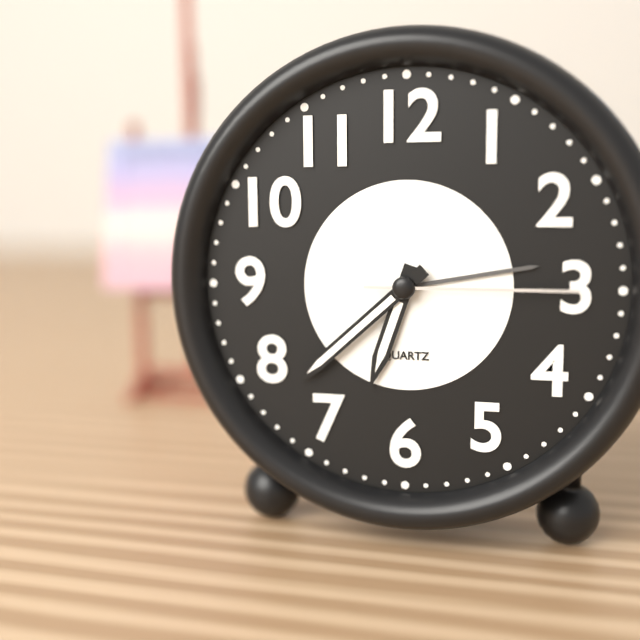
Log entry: 6:38:15
